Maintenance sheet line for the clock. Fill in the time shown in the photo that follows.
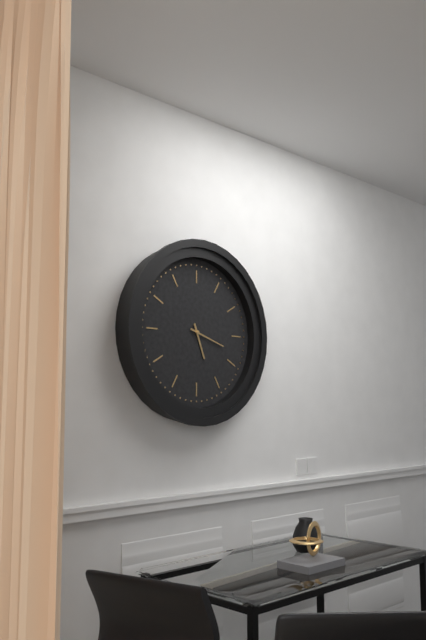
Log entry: 5:18
